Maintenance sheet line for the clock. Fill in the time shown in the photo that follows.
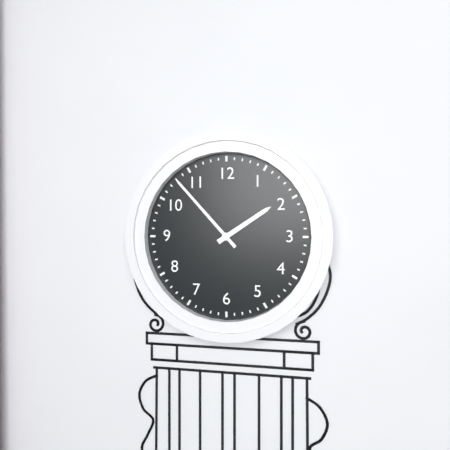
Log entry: 1:53
